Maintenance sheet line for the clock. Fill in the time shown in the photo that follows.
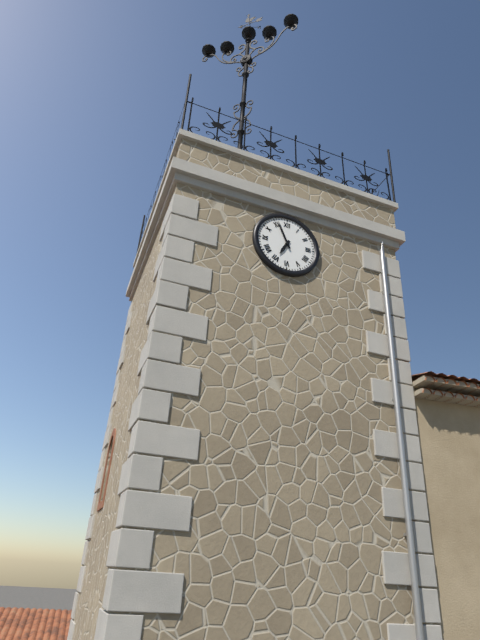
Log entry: 6:56
